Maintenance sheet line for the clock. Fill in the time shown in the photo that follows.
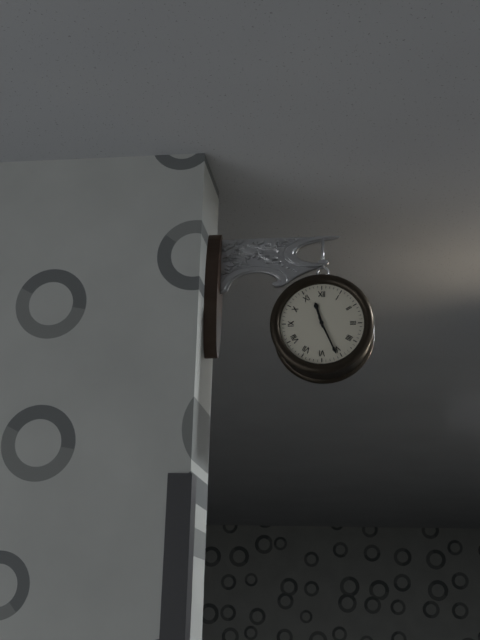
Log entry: 11:26
